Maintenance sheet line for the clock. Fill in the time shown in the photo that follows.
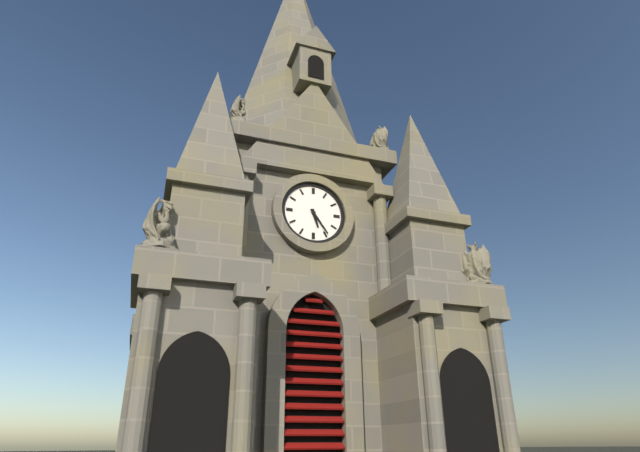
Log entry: 5:24
